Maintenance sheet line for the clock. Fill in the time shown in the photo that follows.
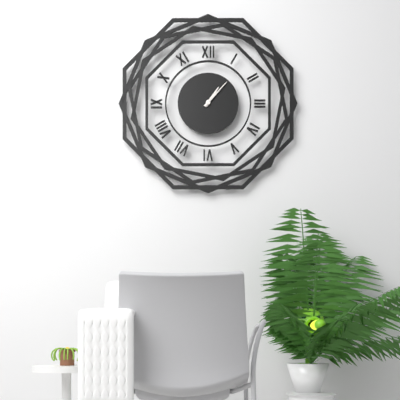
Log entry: 1:07
